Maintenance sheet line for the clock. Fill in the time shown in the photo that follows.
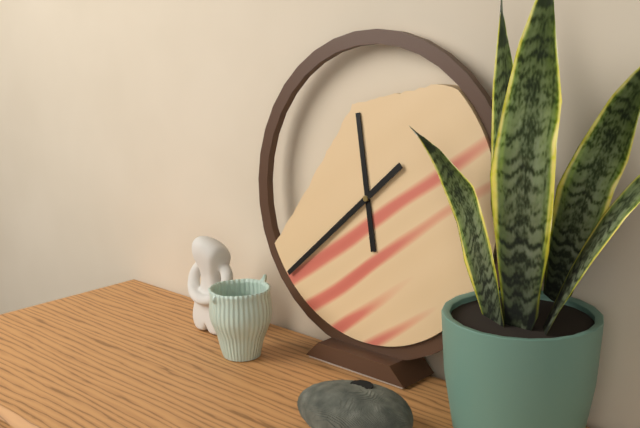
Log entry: 11:38
